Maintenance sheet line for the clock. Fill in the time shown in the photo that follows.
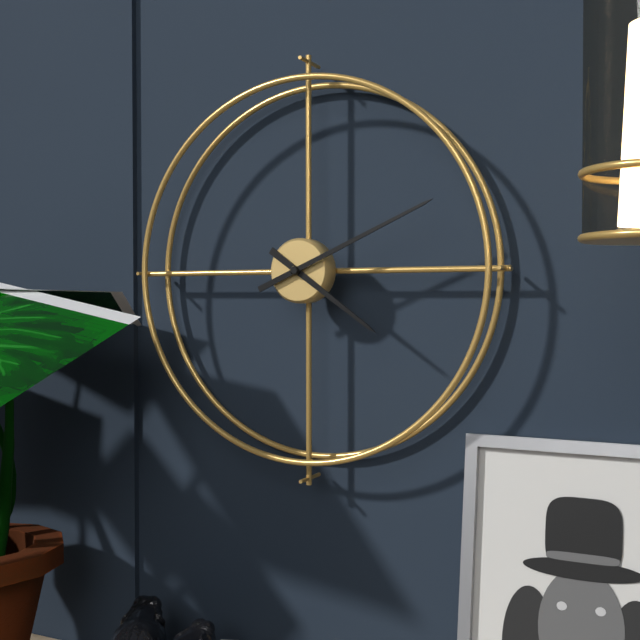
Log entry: 4:11
